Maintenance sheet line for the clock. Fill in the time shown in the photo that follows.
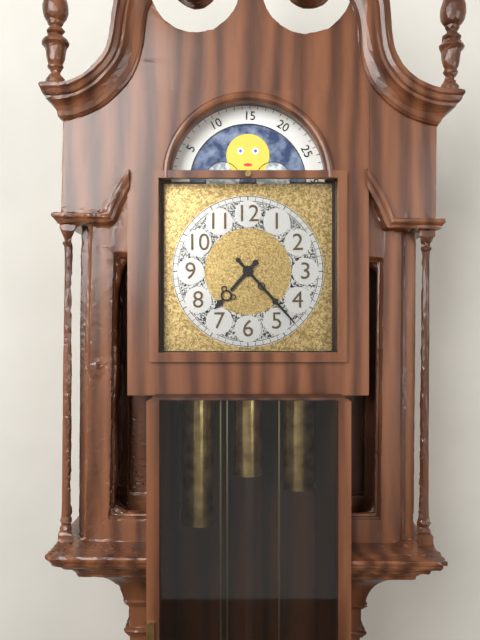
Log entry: 7:23
